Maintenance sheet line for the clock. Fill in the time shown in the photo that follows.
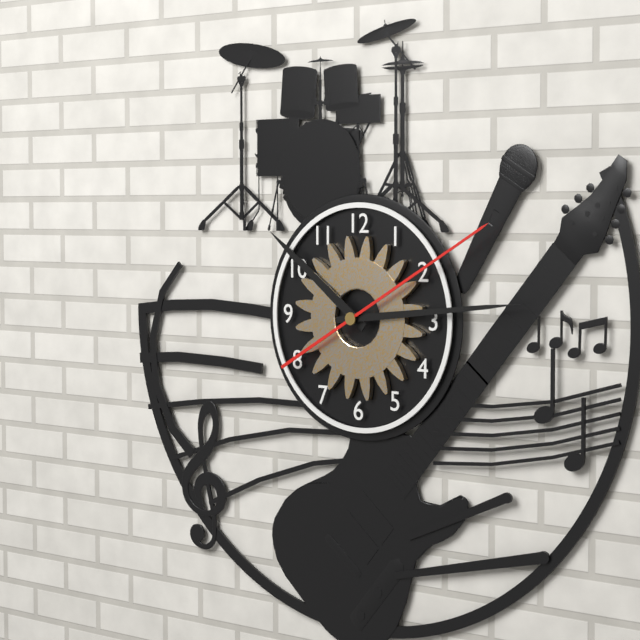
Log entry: 10:14:10
